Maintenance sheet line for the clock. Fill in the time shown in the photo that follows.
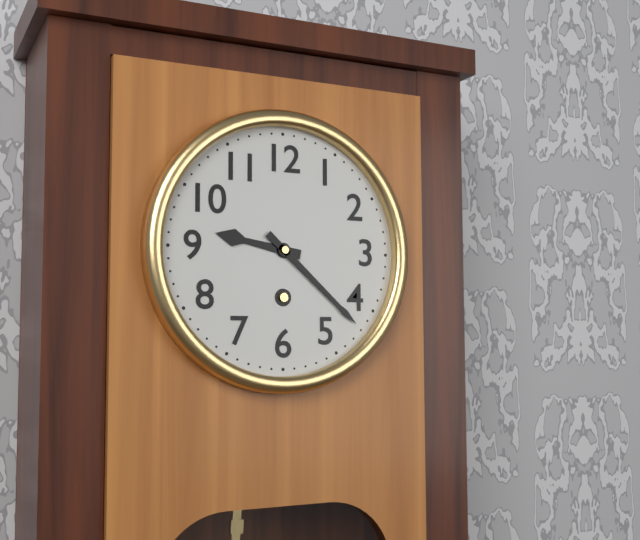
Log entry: 9:22
